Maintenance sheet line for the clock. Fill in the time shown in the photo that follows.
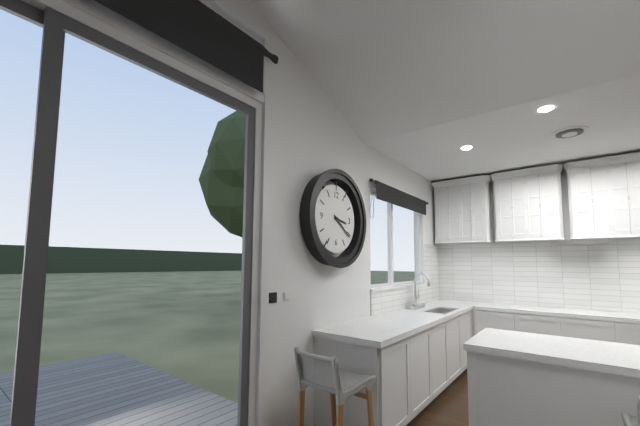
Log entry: 3:21
